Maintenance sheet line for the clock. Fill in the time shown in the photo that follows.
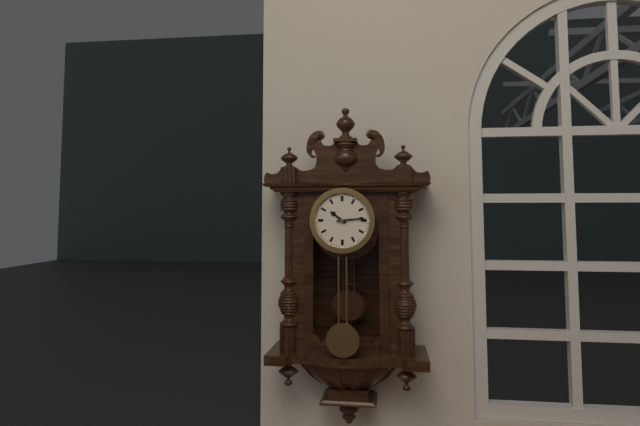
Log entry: 10:14
